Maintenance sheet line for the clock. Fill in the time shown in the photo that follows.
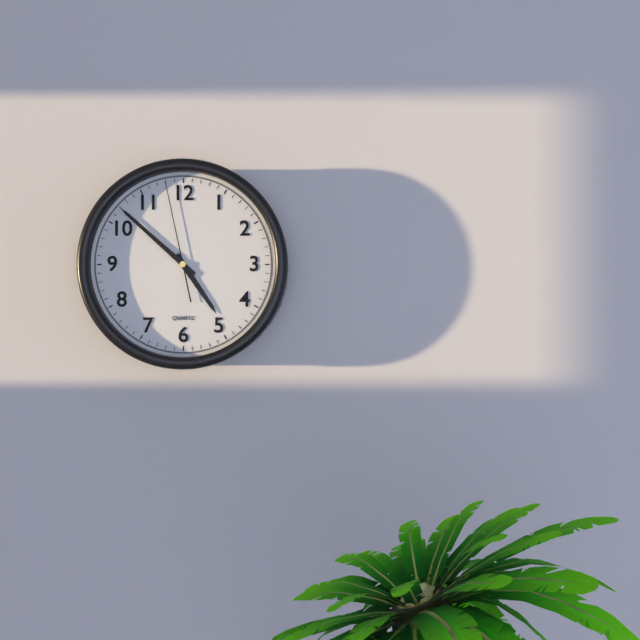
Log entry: 4:52:58
